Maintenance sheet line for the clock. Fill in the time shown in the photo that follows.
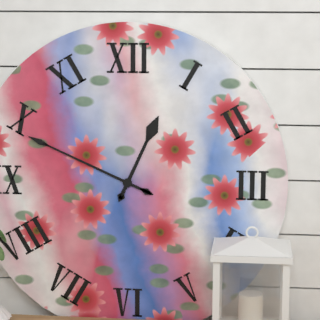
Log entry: 12:49
